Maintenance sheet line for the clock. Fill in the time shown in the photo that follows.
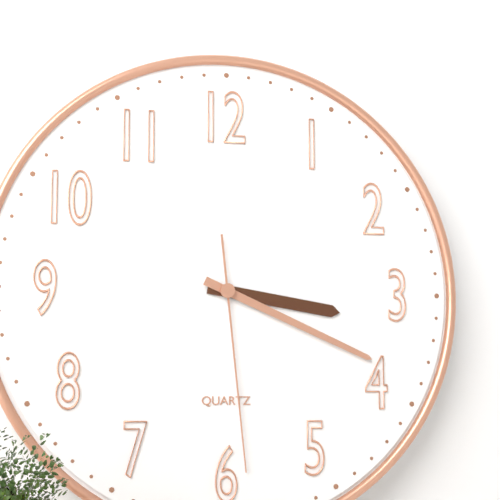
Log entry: 3:19:29
